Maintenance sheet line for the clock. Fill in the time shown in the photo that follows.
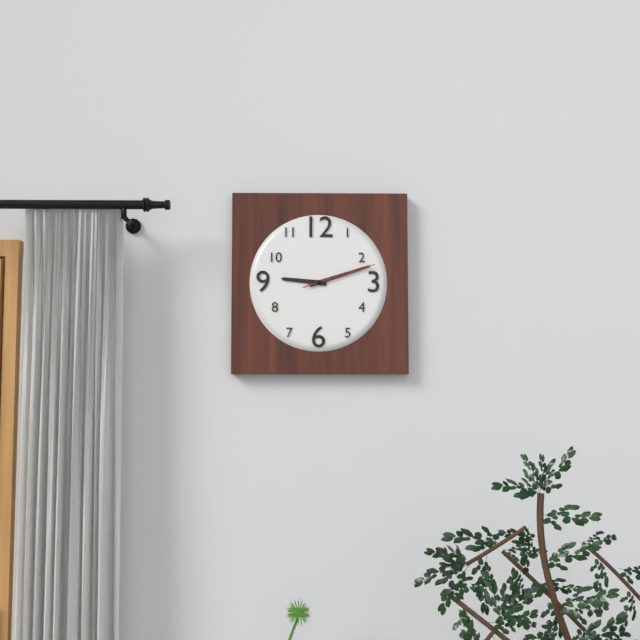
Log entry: 9:12:12
